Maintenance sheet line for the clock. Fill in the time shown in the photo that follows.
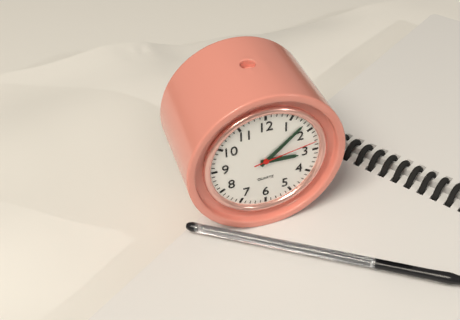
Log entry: 3:08:13
